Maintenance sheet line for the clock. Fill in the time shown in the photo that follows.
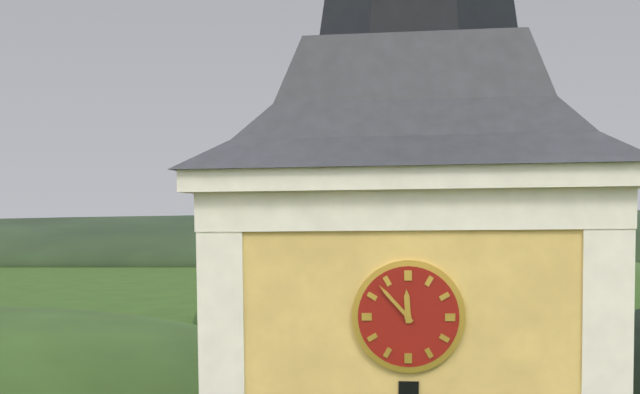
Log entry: 11:53
